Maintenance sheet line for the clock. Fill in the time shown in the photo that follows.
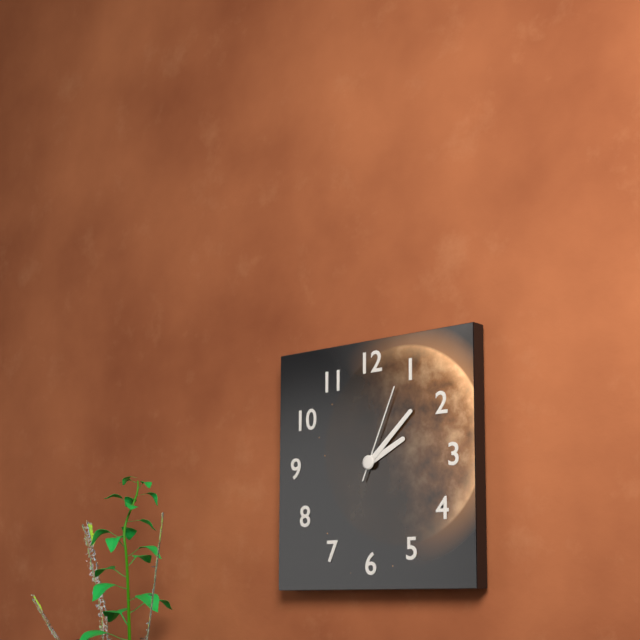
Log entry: 2:08:04
